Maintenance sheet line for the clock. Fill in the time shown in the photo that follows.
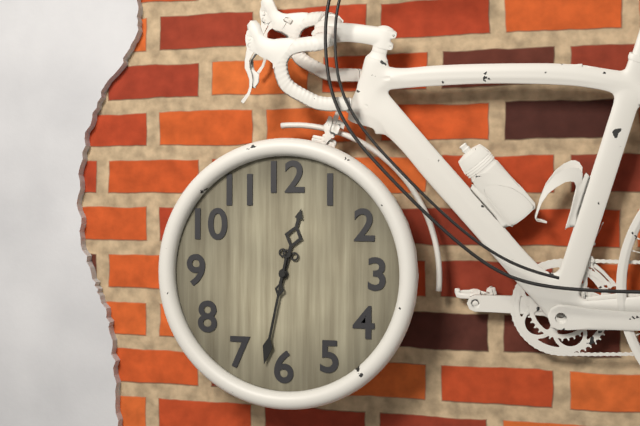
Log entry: 12:32
